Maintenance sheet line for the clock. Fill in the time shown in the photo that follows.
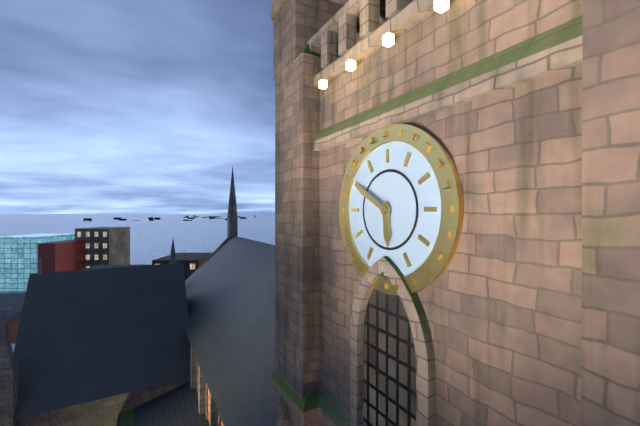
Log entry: 5:50
